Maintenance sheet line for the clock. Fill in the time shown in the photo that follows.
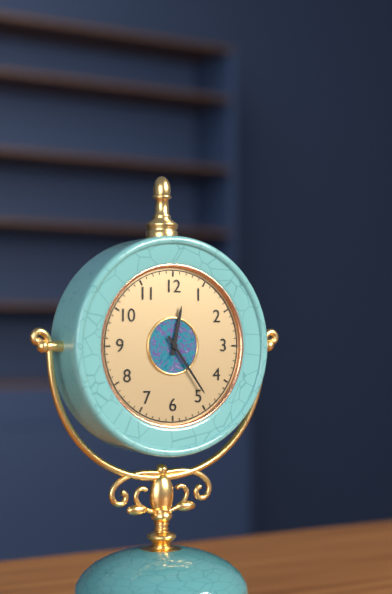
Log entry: 12:24
